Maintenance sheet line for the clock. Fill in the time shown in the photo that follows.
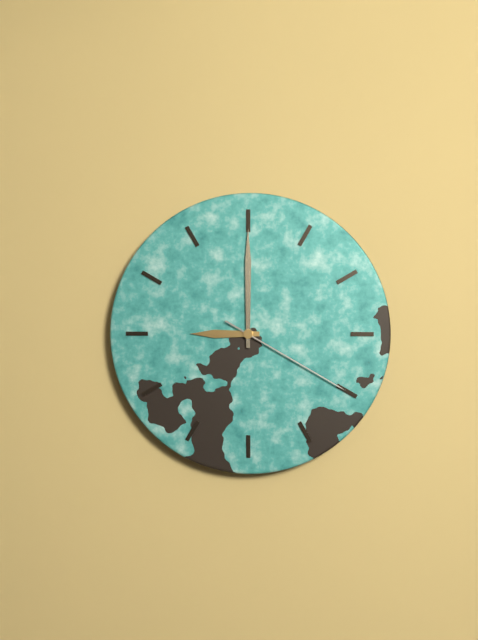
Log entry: 9:00:20
